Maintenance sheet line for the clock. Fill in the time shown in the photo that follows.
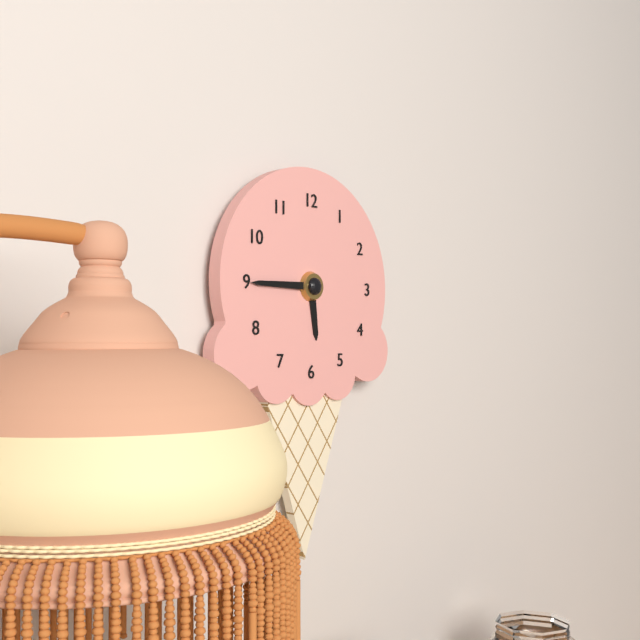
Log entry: 5:45
